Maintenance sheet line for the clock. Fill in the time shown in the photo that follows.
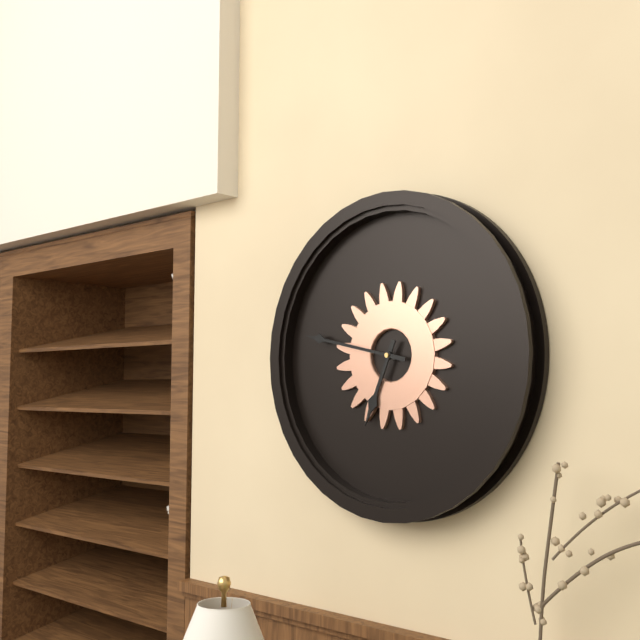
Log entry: 6:47
